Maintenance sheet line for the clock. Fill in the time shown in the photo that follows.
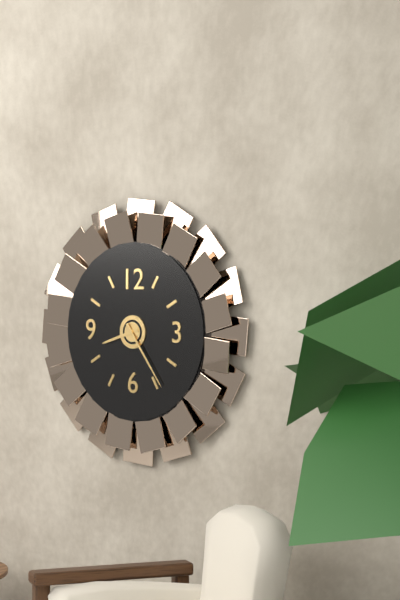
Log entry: 8:24
